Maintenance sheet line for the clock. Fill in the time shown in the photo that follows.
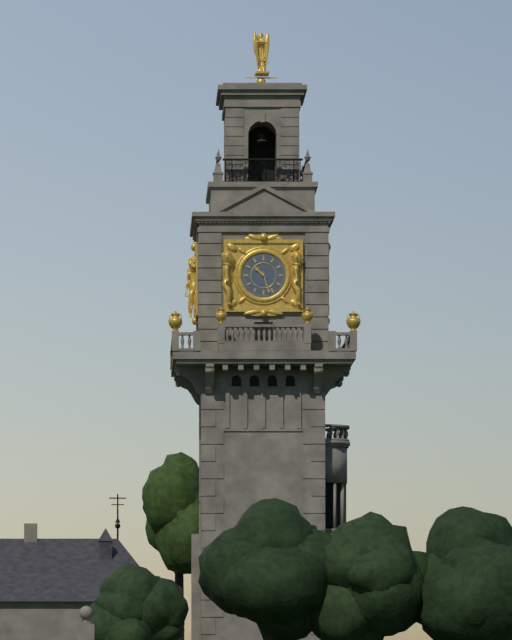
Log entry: 10:27
